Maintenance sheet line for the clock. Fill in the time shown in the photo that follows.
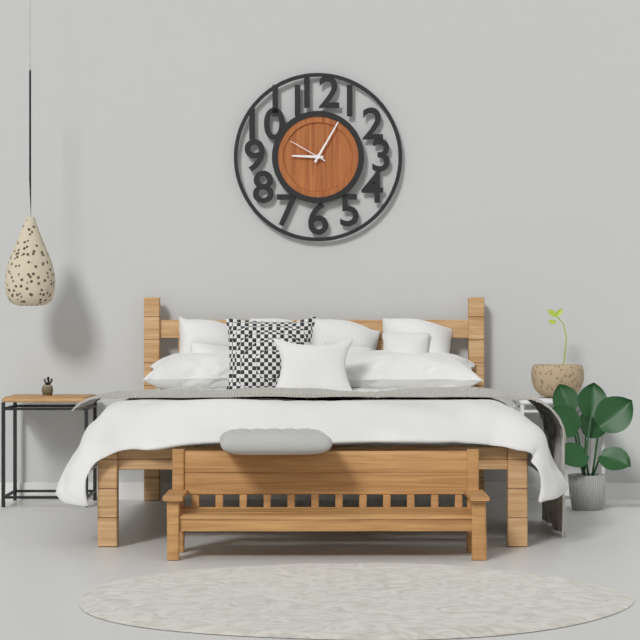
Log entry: 9:05
